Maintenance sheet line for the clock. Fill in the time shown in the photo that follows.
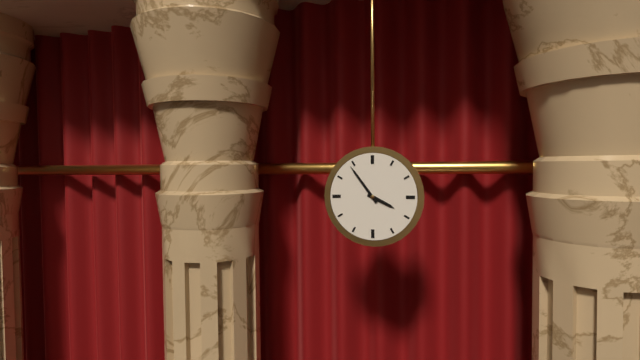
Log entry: 3:54
